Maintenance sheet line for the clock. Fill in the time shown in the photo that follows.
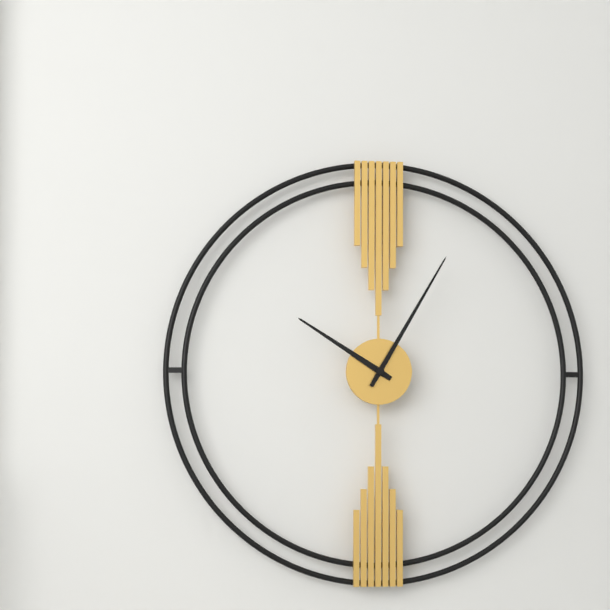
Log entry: 10:05
